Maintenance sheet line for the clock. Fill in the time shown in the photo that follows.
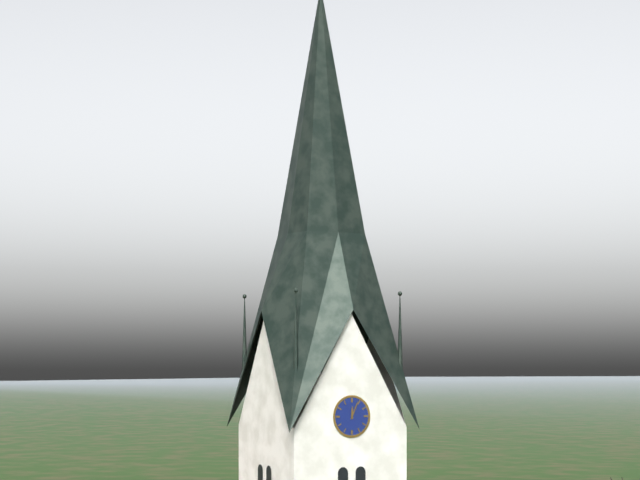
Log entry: 12:04
